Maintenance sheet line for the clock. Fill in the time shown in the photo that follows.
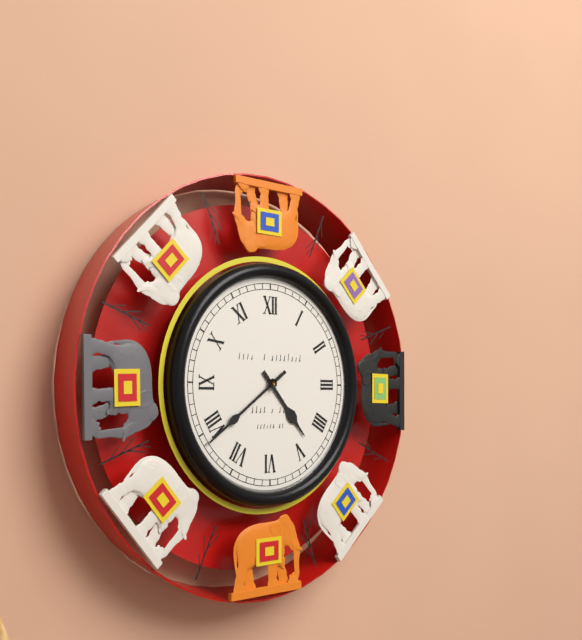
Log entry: 4:39
